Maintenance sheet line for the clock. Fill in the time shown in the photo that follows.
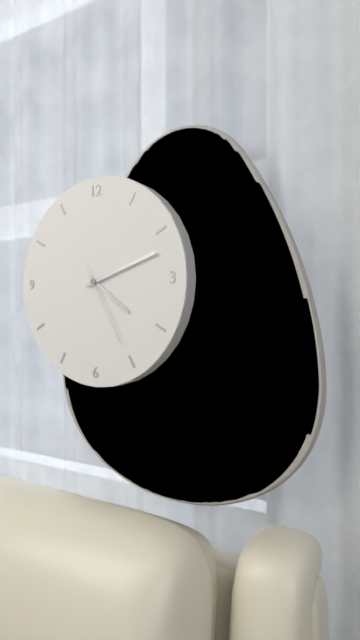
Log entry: 4:12:25
